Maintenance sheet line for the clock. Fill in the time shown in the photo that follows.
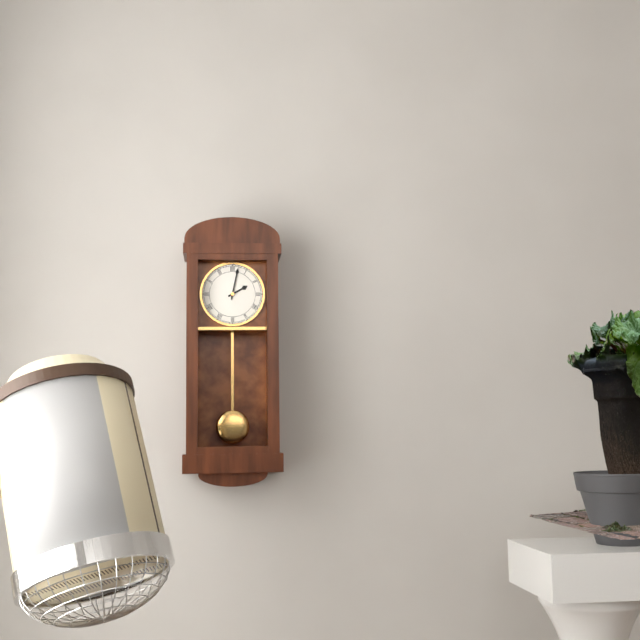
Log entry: 2:02
